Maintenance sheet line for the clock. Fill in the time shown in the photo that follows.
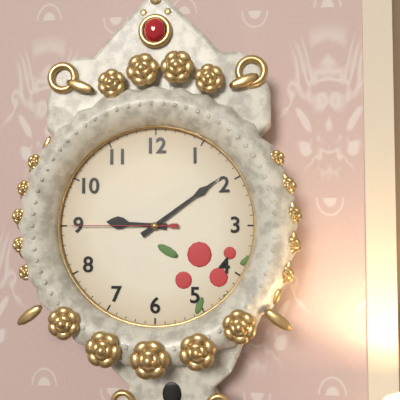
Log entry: 9:09:45
